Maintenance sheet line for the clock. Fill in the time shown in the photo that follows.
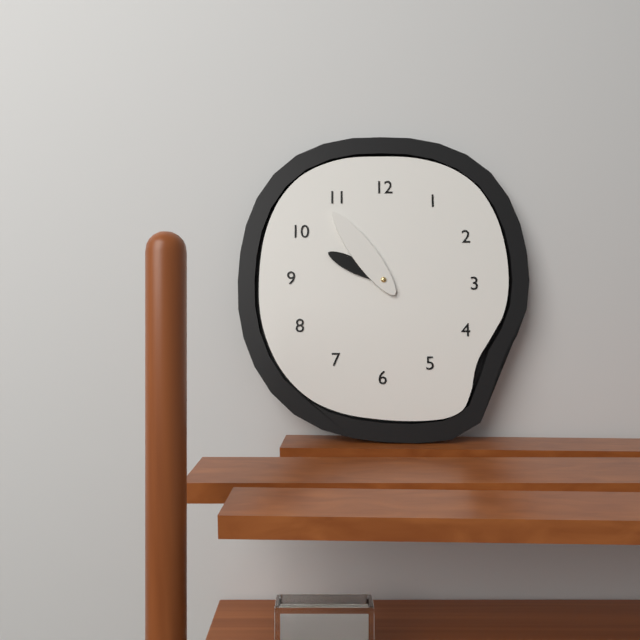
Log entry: 9:54
